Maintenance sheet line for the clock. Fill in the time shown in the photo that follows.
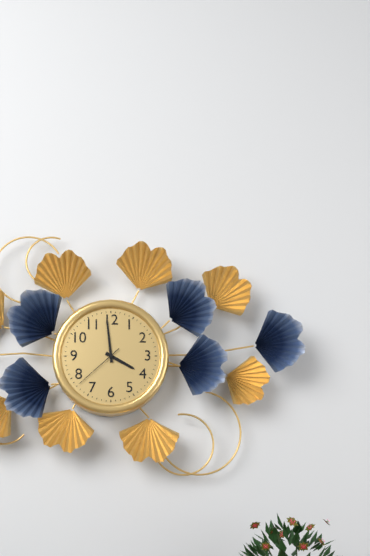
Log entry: 3:59:38
